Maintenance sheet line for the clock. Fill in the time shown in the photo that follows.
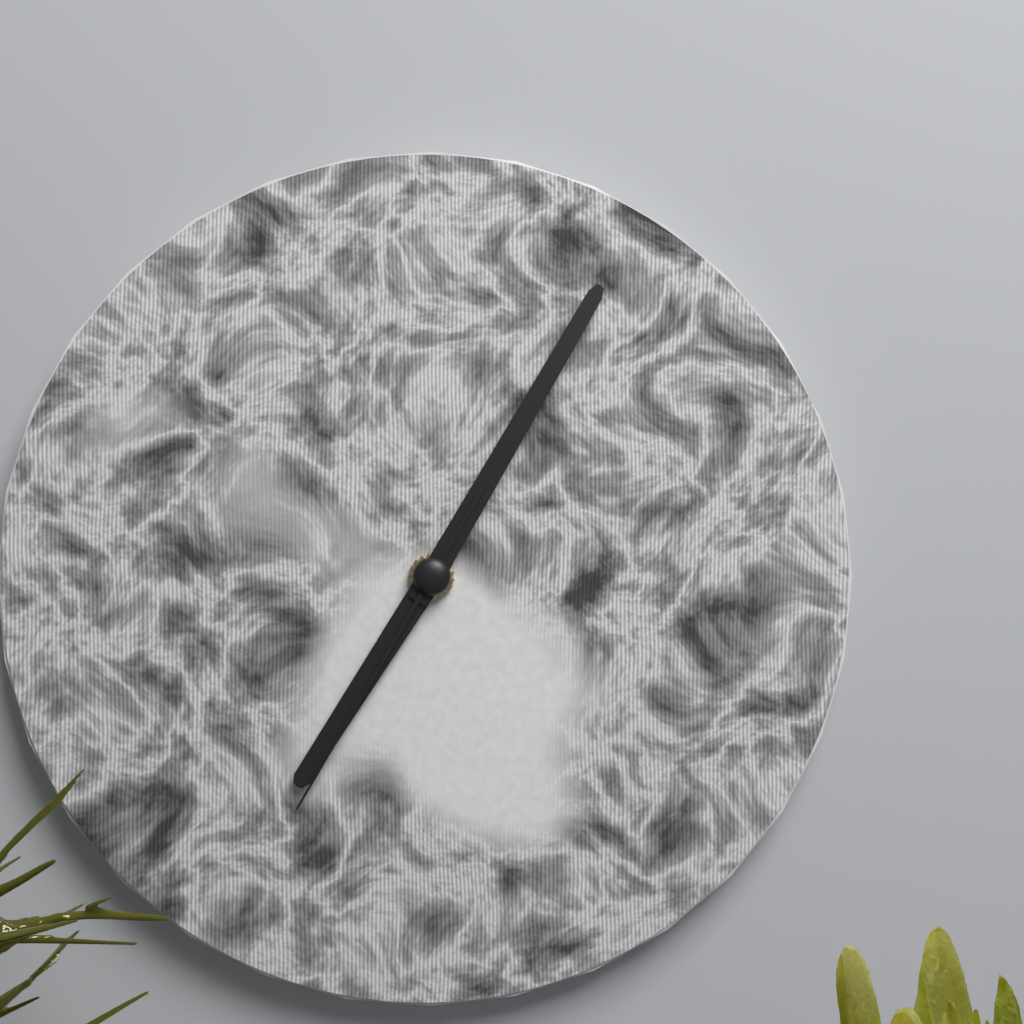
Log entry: 7:05:35
